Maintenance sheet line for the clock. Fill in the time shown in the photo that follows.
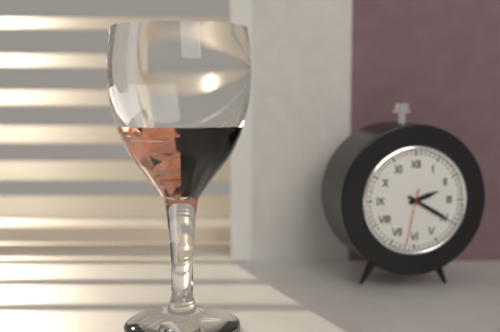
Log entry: 2:20:32
